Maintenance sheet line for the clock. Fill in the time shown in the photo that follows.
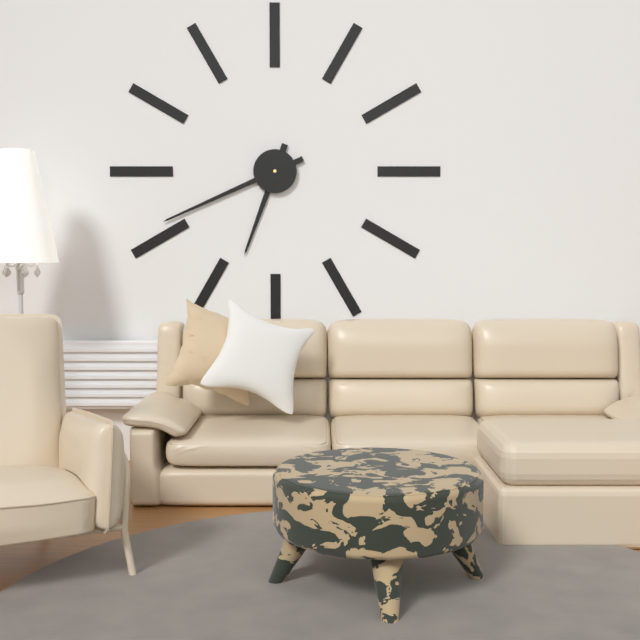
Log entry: 6:41
